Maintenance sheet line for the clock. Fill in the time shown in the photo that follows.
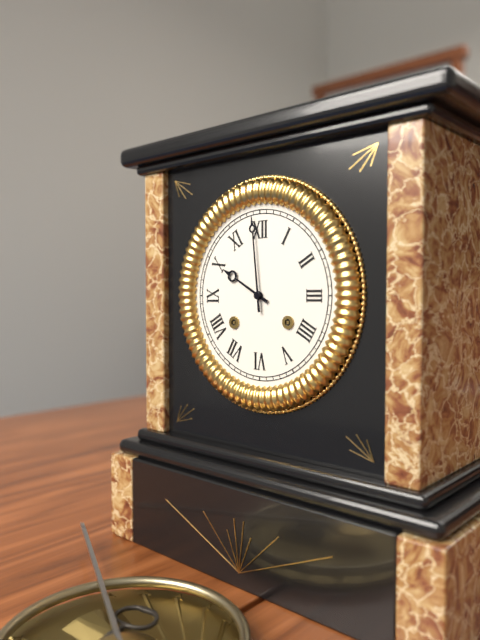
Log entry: 9:59
